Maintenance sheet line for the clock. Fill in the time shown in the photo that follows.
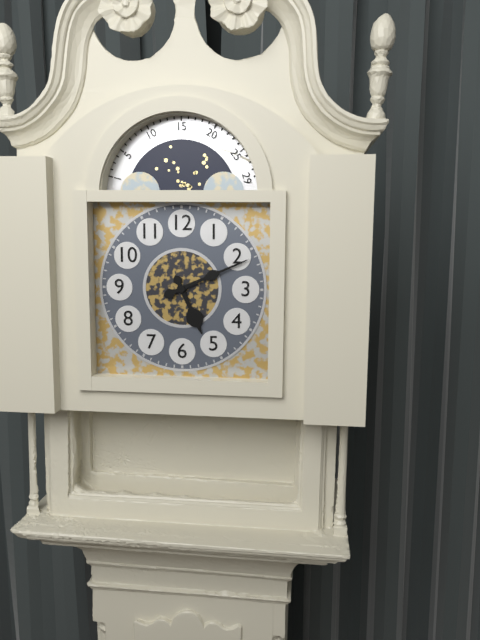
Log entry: 5:11
